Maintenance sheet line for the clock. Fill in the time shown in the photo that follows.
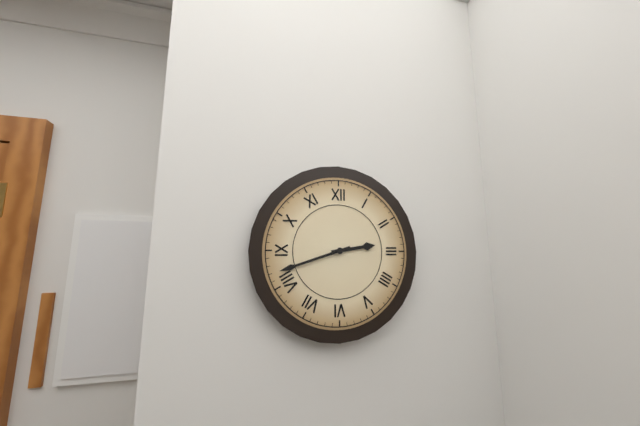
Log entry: 2:42
